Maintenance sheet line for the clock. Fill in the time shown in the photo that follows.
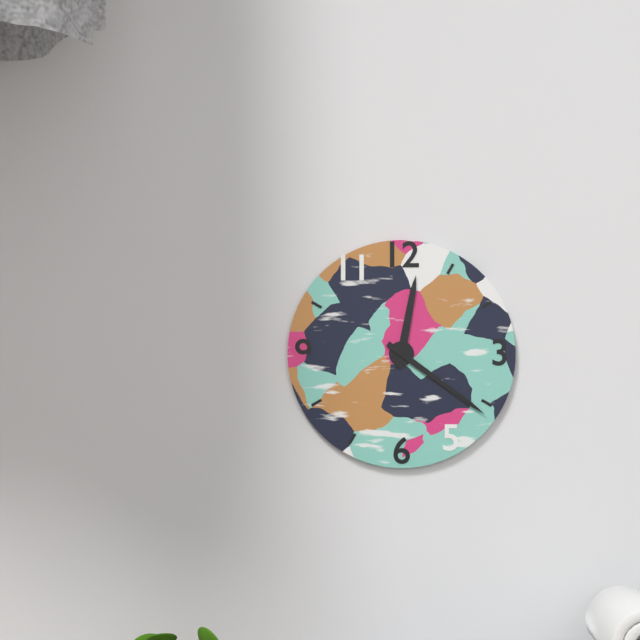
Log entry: 12:21
